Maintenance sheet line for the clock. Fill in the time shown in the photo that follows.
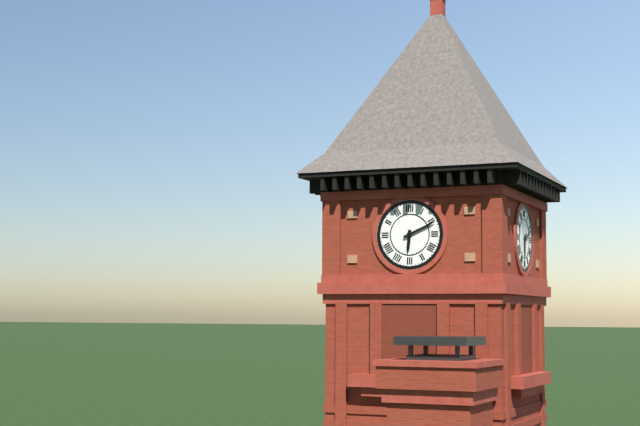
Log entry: 6:11
